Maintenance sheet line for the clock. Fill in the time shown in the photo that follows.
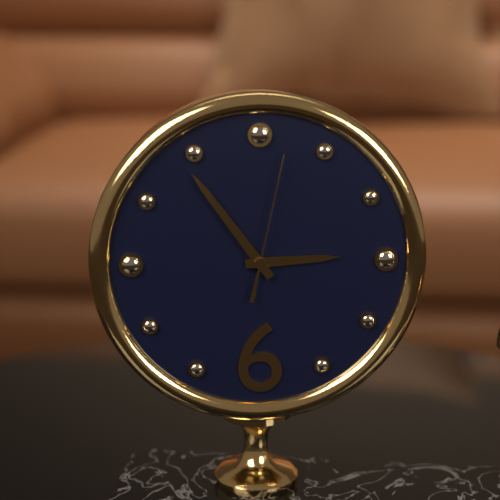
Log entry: 2:54:02
